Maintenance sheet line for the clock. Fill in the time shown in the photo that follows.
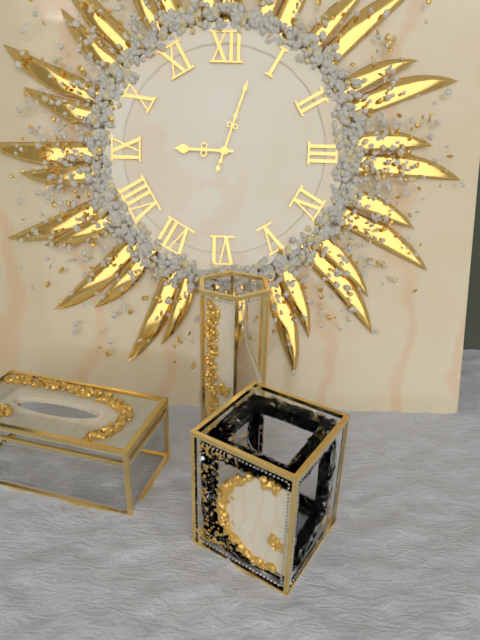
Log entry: 9:03:03
